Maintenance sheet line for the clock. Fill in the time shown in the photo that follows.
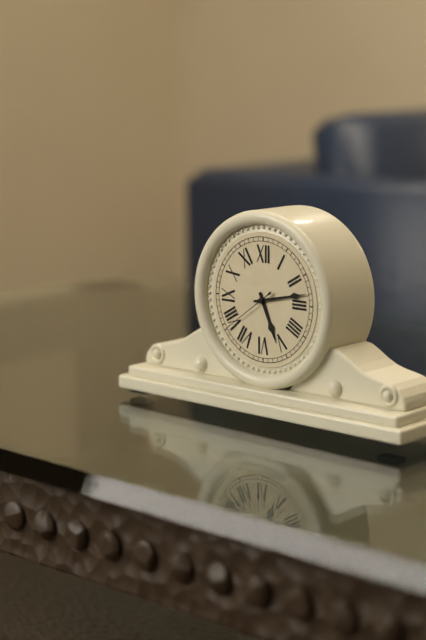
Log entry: 5:13:39
